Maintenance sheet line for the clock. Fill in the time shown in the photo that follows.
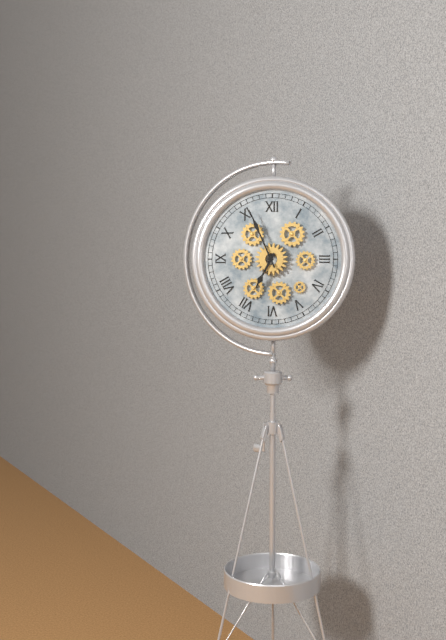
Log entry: 6:56
